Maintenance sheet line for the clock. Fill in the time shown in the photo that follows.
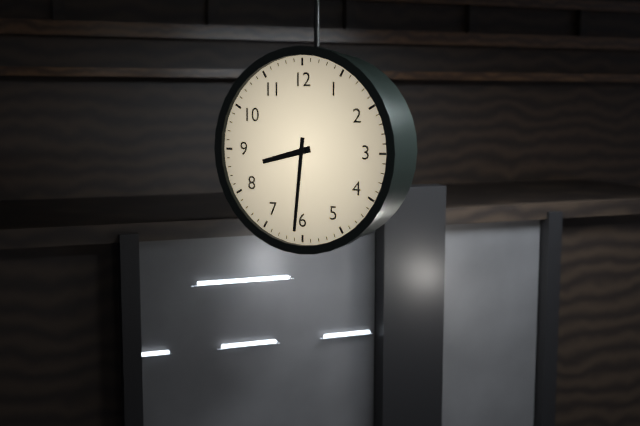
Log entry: 8:31
